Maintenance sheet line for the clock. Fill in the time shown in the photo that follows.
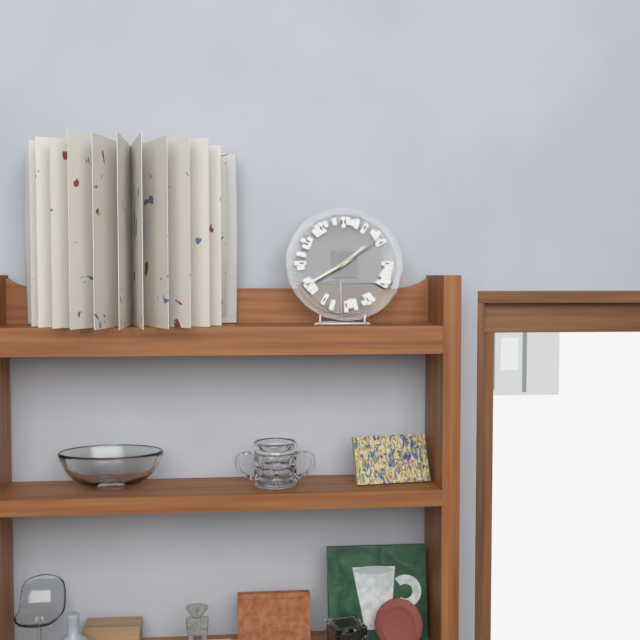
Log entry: 1:40:09
